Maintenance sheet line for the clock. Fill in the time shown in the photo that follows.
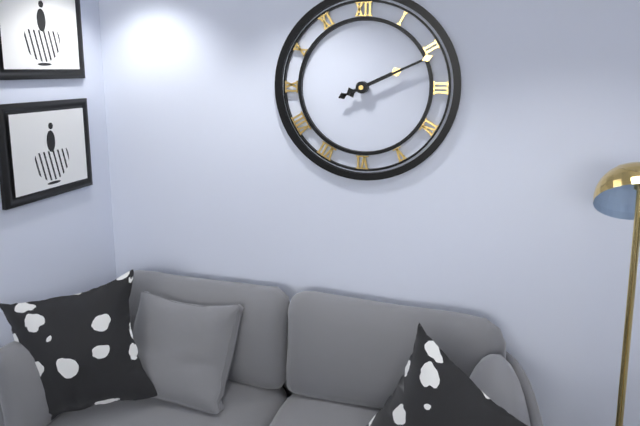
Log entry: 2:11
